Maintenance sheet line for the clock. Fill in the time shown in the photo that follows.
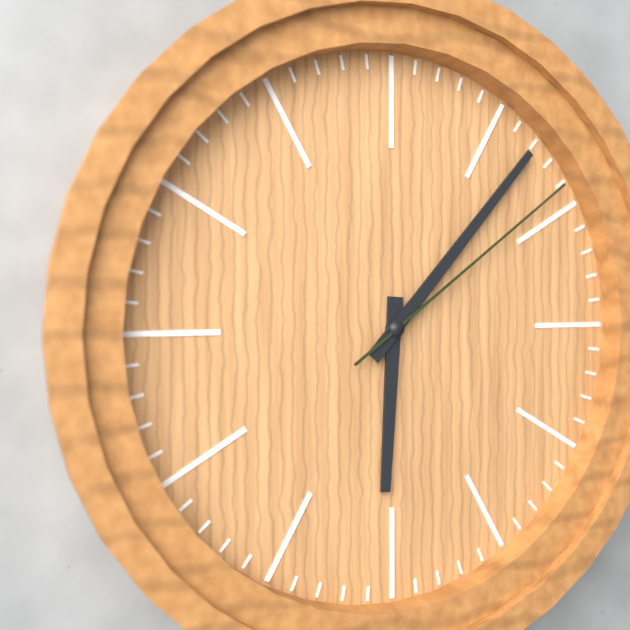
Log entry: 6:07:09
